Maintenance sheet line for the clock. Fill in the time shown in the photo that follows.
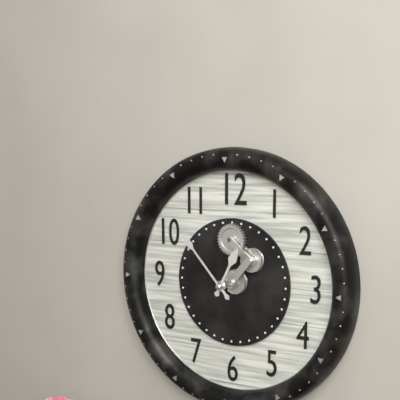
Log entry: 12:53
